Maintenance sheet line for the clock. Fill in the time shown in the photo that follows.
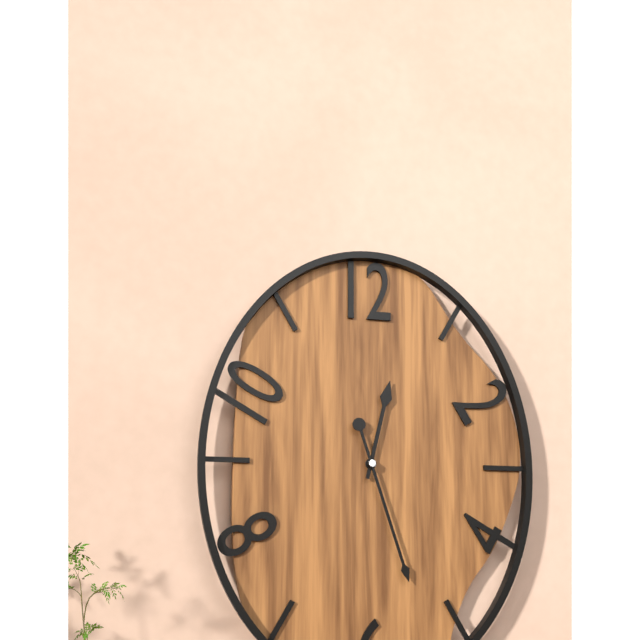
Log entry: 12:27
